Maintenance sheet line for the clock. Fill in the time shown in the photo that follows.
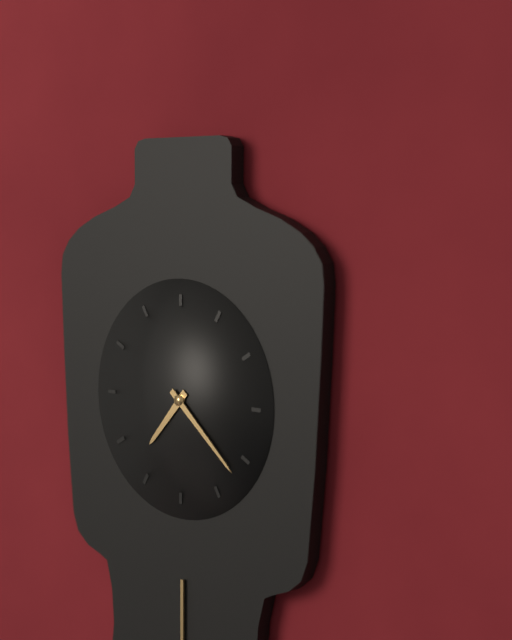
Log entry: 7:22
